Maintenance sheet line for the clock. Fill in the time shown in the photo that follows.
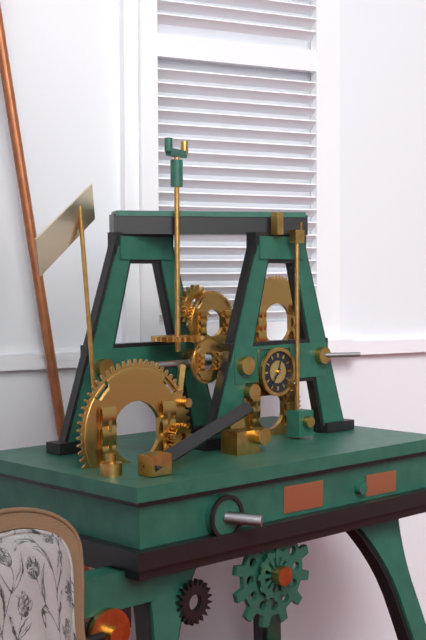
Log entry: 12:36
